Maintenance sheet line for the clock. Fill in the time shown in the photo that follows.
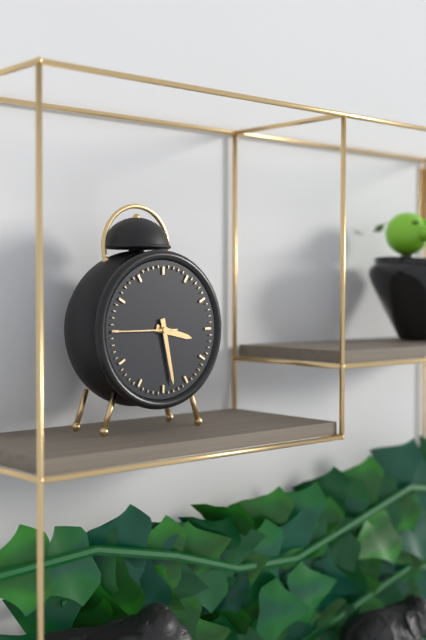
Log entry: 3:28:45
